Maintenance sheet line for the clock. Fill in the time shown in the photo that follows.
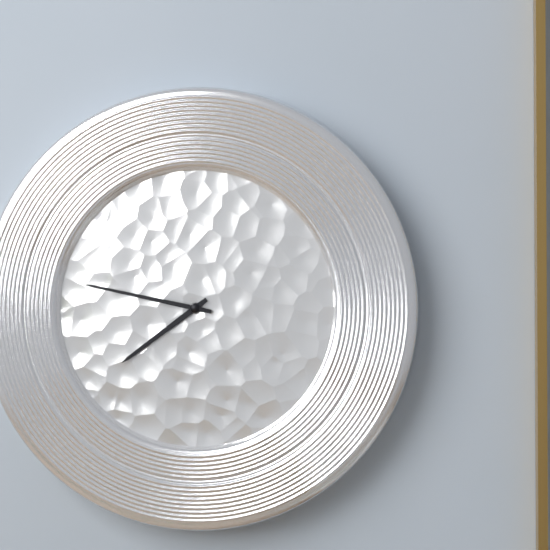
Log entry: 7:47
